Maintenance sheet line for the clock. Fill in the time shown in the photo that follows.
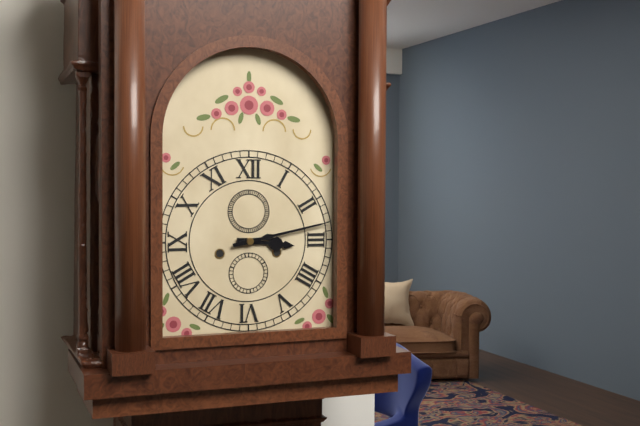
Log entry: 3:13
